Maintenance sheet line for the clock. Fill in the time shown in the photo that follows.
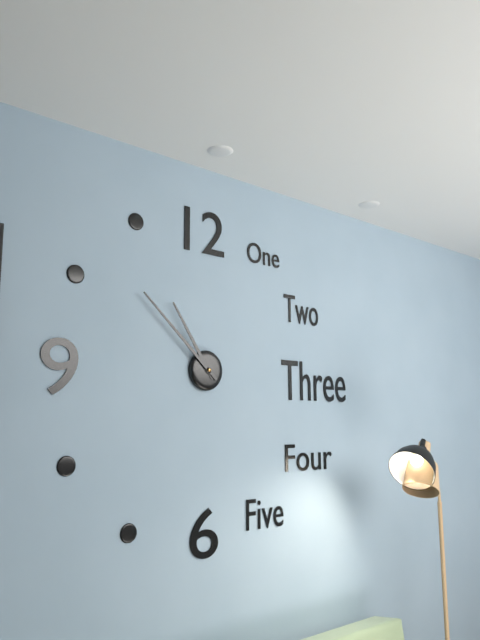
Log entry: 10:52
